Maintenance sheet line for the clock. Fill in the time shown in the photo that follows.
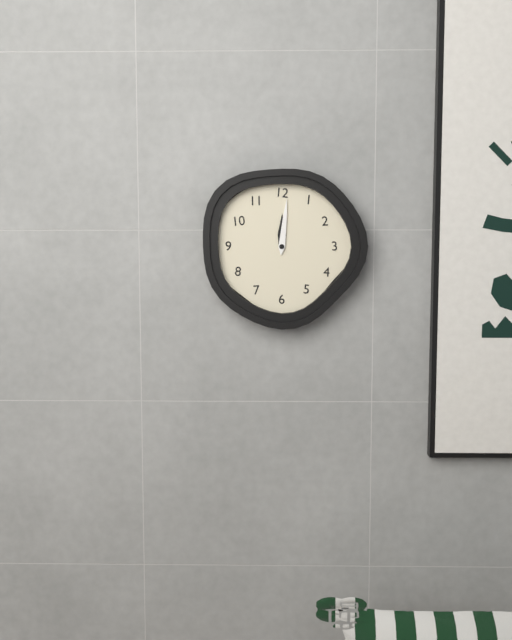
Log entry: 12:01
